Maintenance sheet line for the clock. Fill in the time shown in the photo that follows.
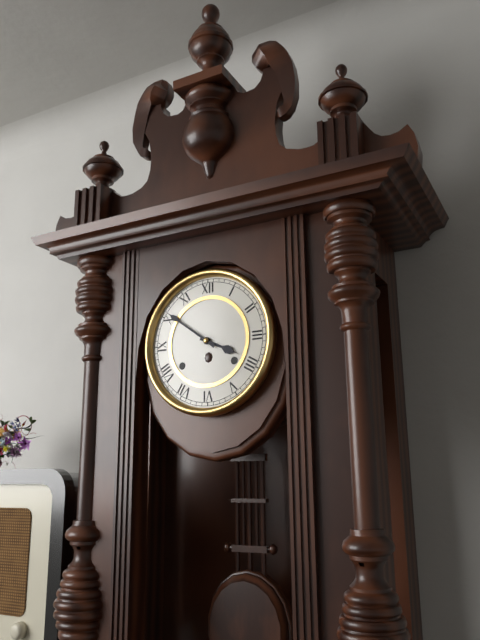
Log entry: 3:51
